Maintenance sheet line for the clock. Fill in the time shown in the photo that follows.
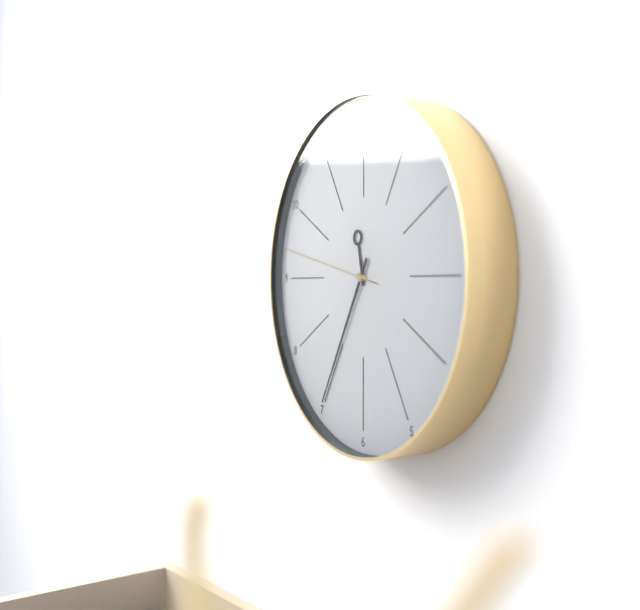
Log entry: 11:35:47
